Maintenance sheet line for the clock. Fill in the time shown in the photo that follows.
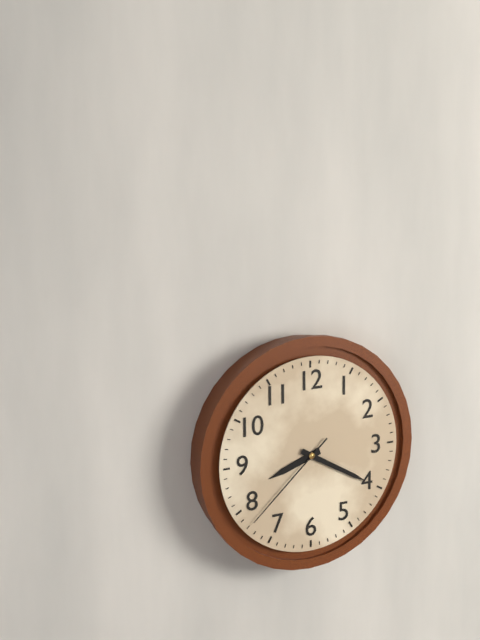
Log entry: 8:20:38
